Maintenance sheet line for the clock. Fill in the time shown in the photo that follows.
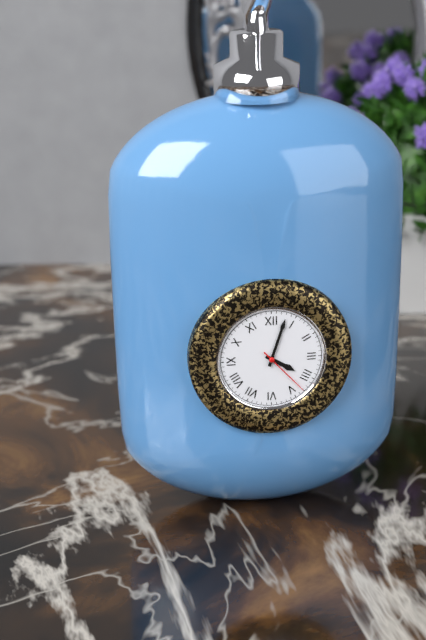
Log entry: 4:03:23
